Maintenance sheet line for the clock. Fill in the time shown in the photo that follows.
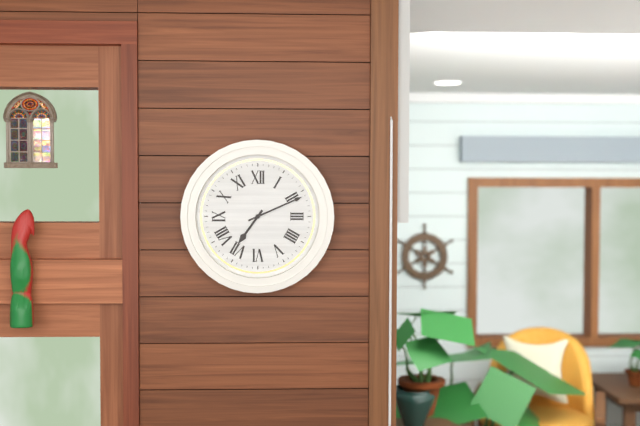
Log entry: 7:11
